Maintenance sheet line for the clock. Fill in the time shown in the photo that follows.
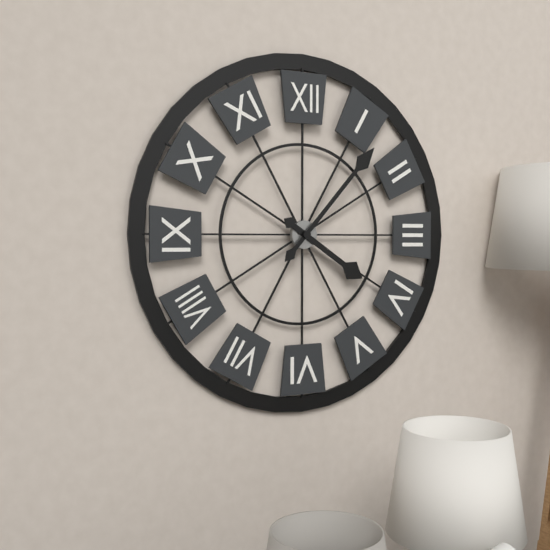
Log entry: 4:07
